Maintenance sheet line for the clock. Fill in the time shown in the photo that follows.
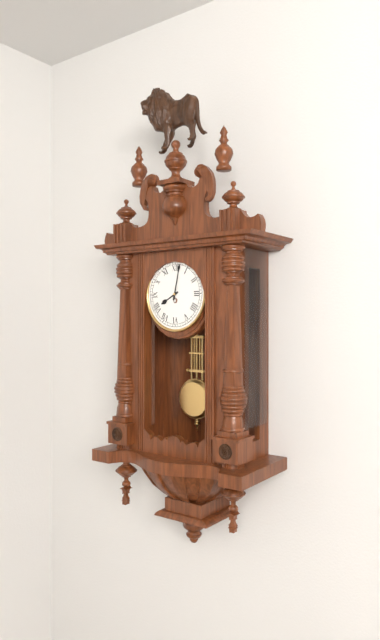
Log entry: 8:02
